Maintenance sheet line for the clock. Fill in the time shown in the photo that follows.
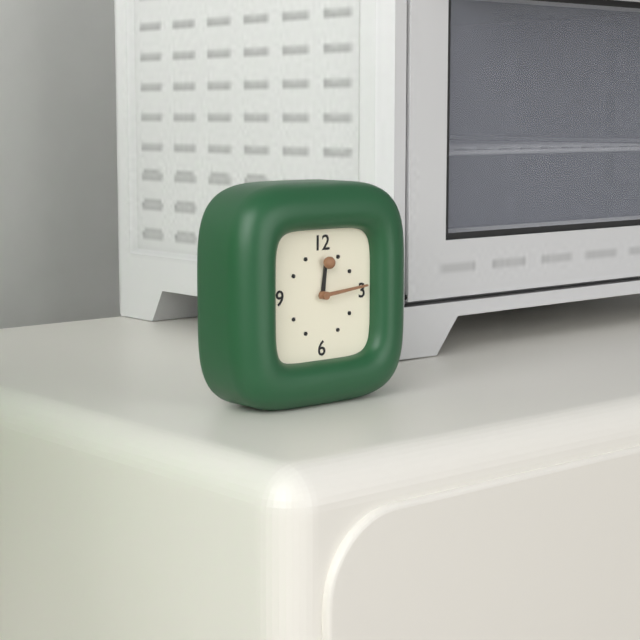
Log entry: 12:14
